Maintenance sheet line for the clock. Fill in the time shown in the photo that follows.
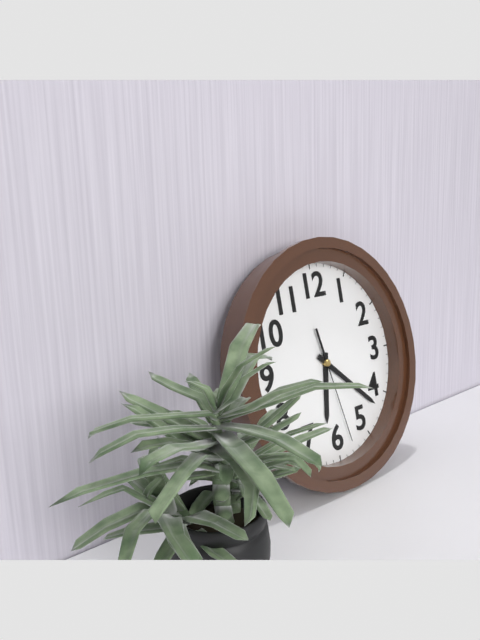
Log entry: 6:22:28
